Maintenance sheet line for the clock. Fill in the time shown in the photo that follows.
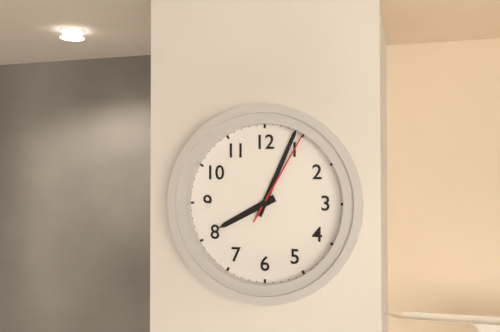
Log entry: 8:04:05
